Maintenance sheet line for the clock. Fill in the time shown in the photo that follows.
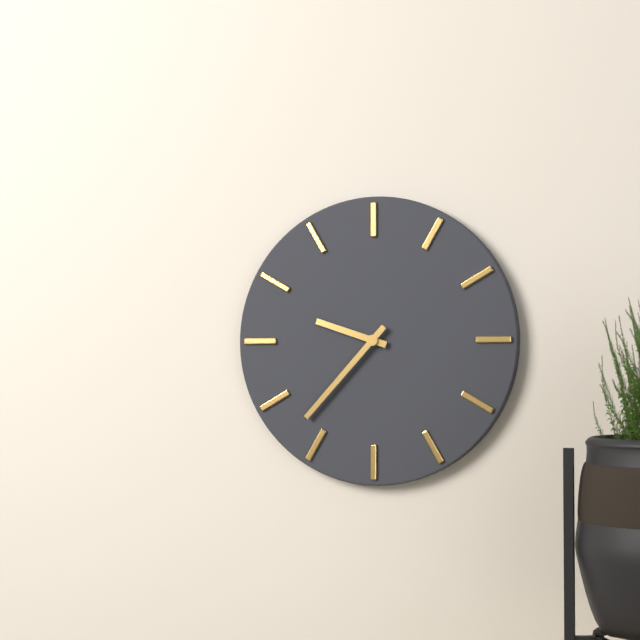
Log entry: 9:37
